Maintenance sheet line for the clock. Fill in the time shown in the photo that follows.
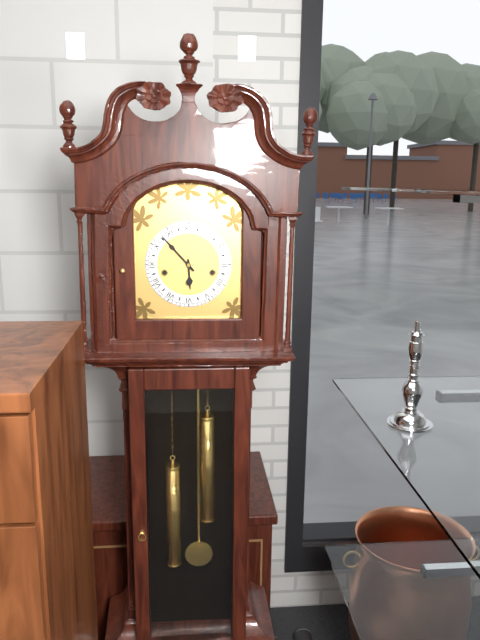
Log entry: 5:53
